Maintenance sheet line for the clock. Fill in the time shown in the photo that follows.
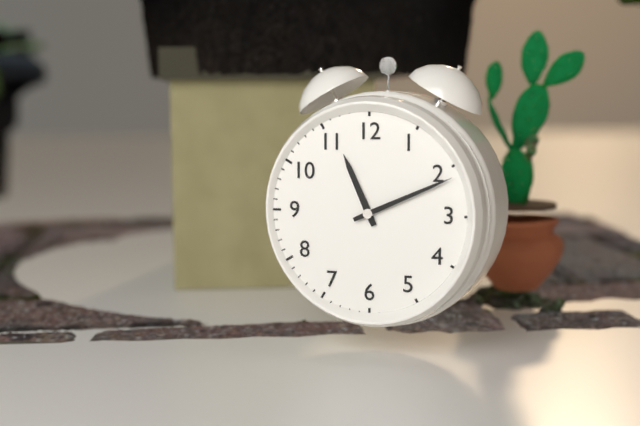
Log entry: 11:11
